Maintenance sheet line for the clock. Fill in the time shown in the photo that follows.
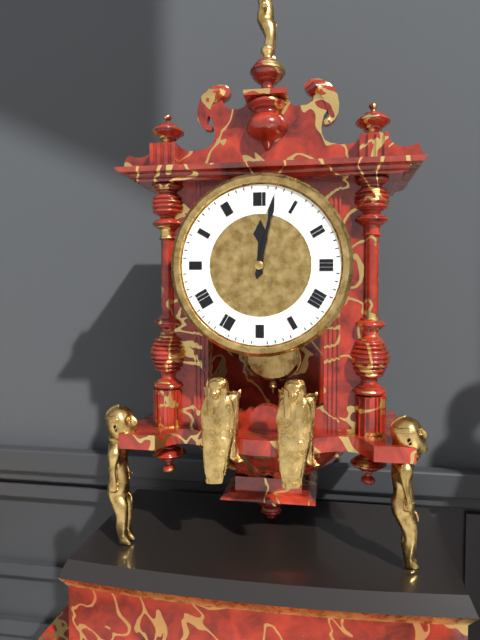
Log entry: 12:02
